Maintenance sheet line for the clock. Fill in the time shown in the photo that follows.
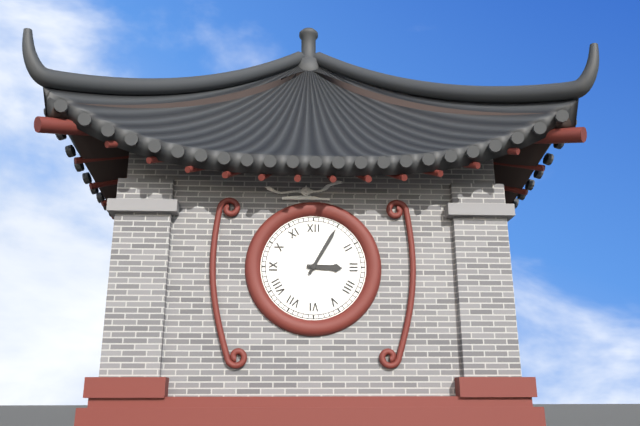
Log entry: 3:05
